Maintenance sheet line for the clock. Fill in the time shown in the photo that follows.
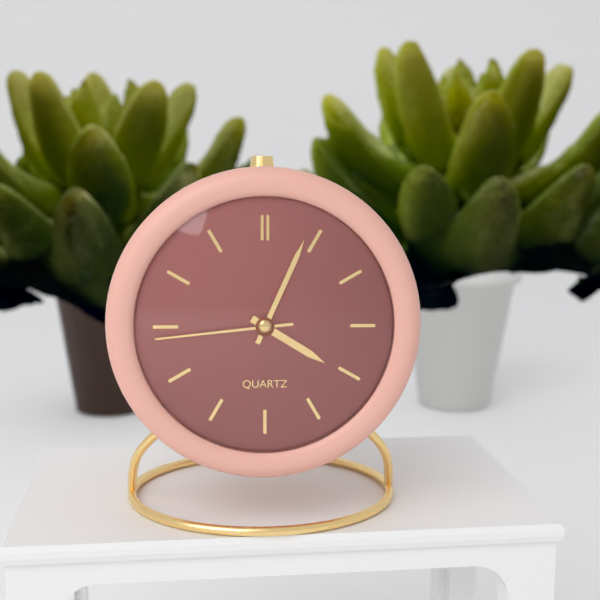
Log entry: 4:04:44
